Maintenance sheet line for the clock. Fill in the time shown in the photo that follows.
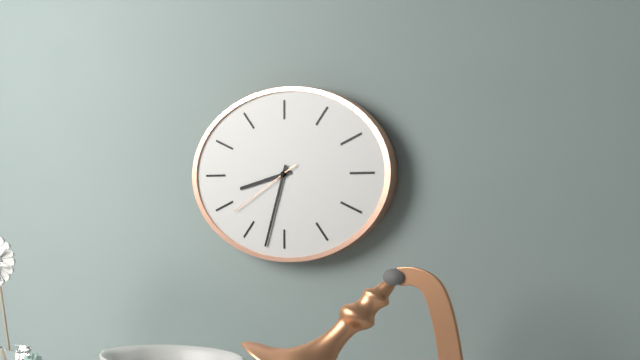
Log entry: 8:33:40
